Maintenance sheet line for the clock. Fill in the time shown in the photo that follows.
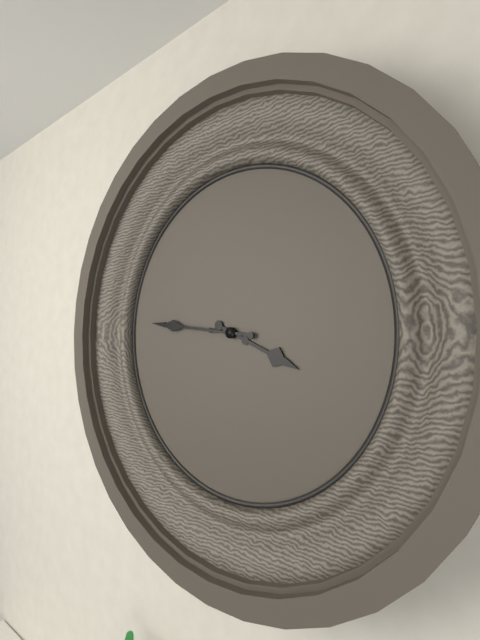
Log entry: 3:46
